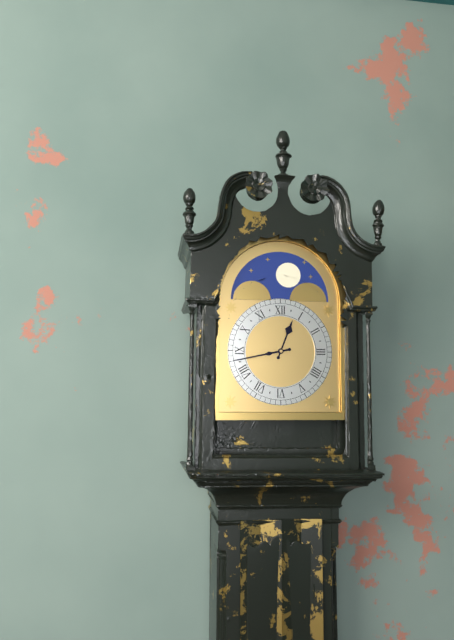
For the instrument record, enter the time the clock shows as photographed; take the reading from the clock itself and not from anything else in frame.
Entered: 12:43
